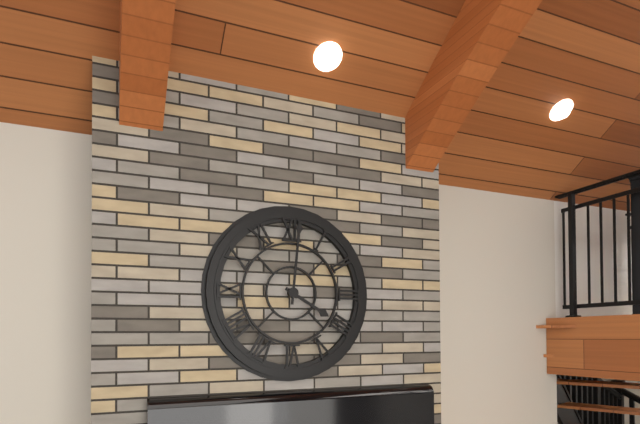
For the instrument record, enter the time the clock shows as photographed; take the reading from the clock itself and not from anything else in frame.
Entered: 4:01
